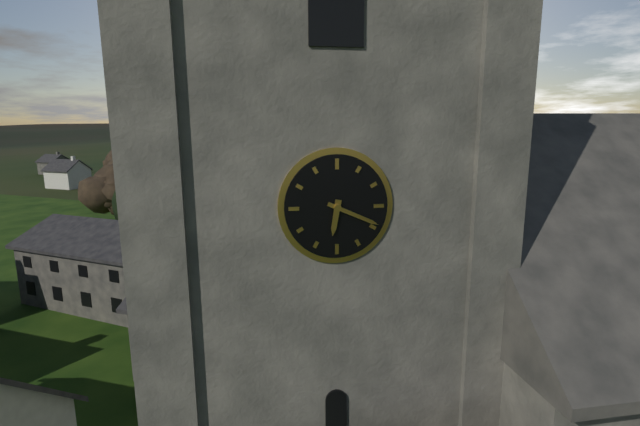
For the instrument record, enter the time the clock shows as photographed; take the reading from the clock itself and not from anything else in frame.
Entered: 6:19
